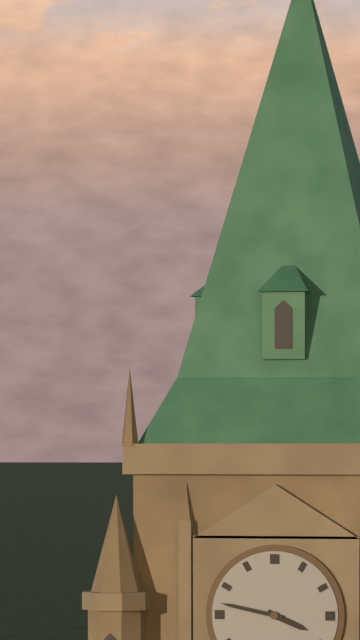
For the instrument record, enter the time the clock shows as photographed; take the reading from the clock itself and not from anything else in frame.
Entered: 3:47
